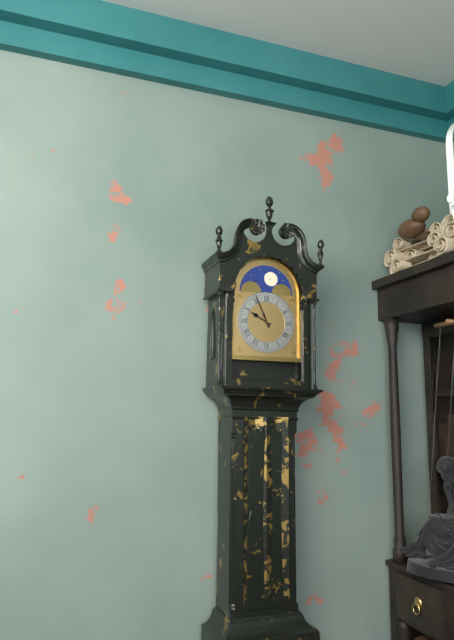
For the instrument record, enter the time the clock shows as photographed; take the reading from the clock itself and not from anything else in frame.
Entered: 9:56
